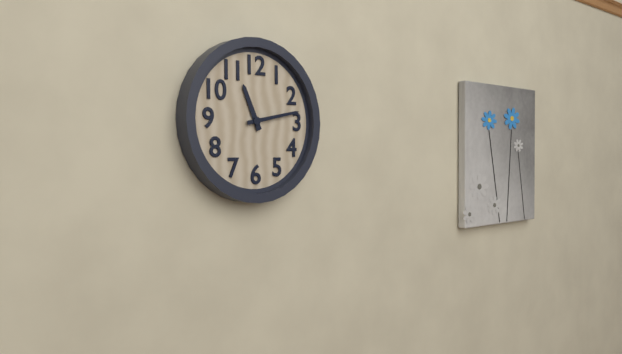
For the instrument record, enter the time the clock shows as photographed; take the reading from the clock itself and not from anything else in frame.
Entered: 11:13
